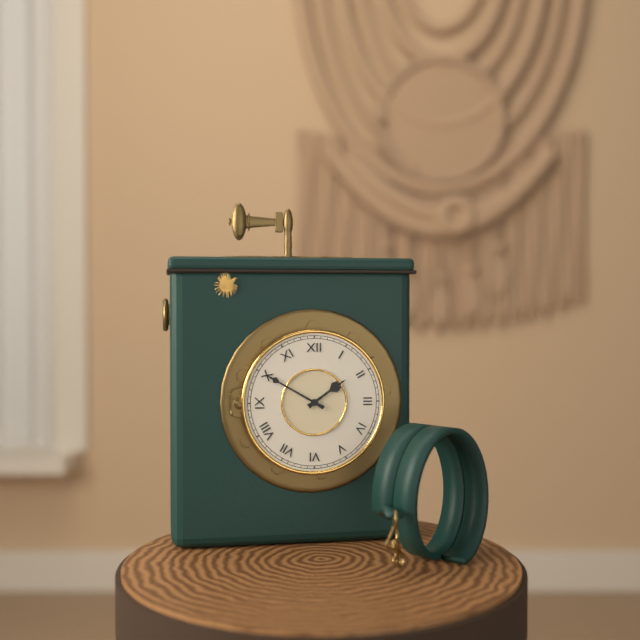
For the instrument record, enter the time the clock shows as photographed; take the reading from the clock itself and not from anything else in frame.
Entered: 1:50
